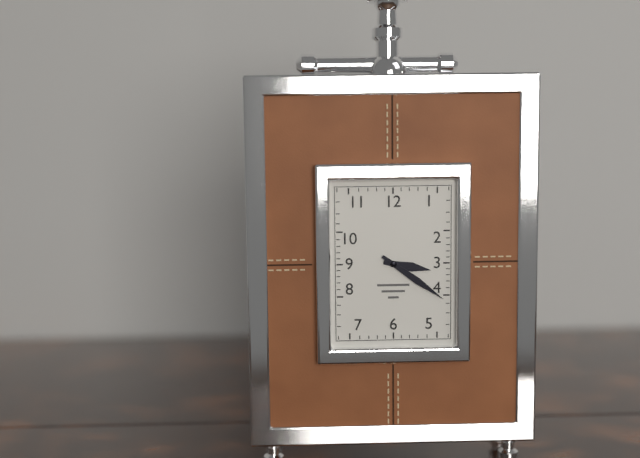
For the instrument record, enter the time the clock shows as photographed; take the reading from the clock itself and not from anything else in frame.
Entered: 3:21
